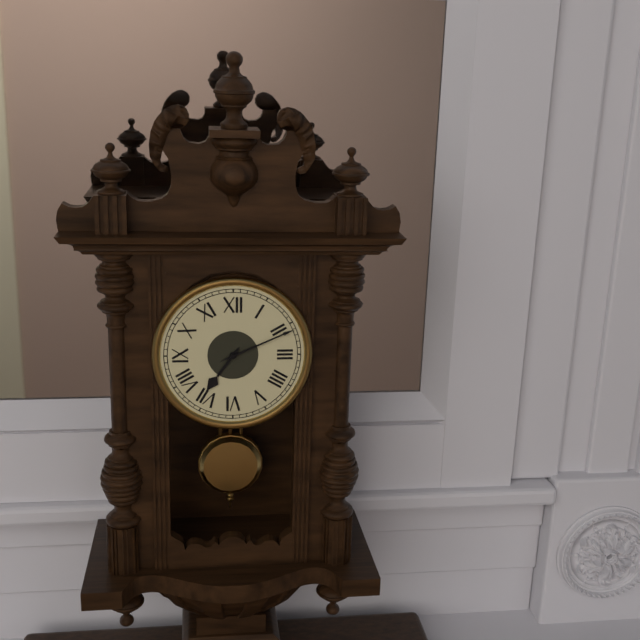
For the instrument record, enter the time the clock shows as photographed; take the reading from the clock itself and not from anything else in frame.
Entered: 7:11
